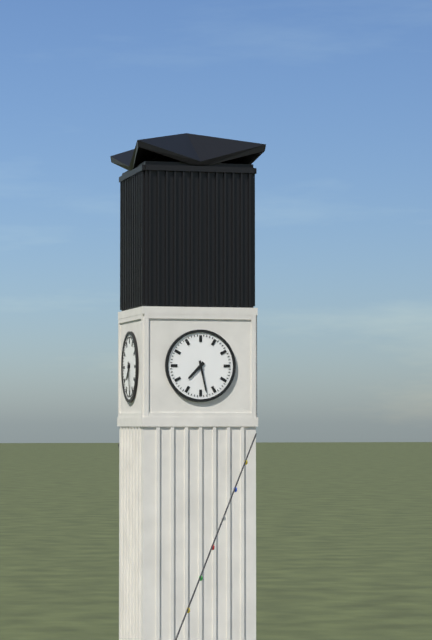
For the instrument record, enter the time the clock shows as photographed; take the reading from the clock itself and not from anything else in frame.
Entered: 7:28
